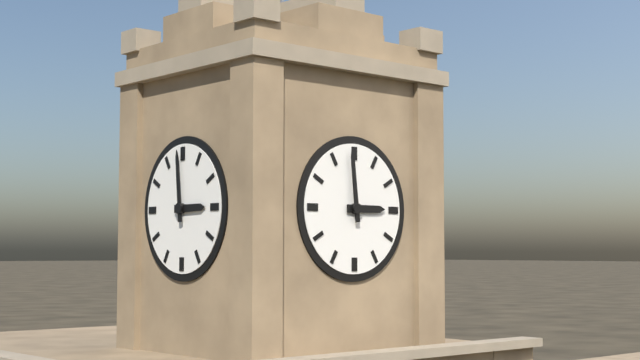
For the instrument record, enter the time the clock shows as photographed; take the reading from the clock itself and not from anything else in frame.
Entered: 2:59
